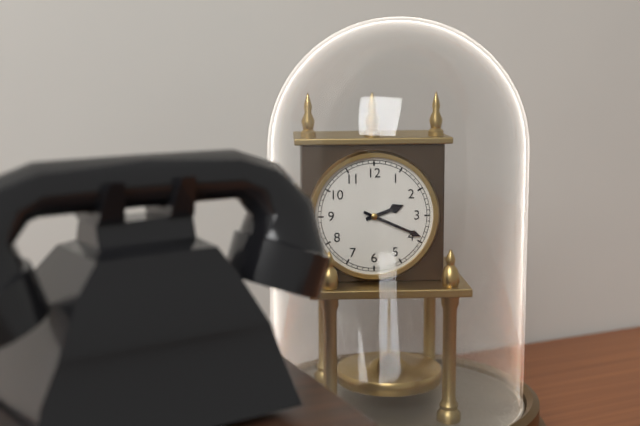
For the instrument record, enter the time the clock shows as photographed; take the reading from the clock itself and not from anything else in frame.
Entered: 2:19
